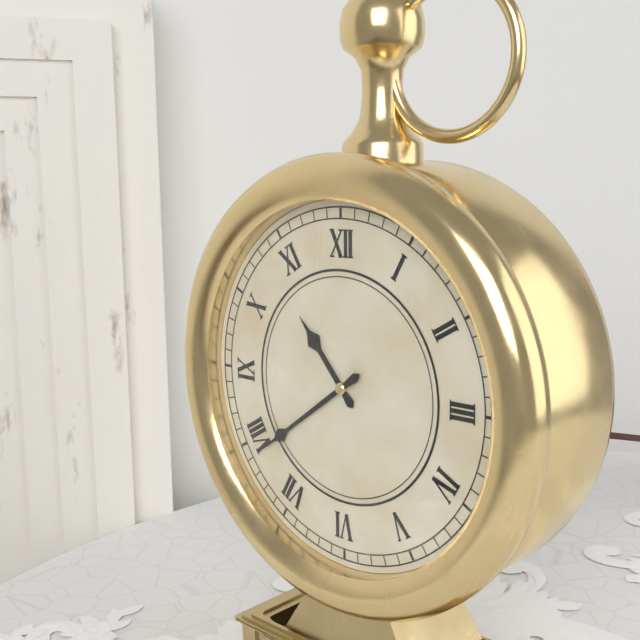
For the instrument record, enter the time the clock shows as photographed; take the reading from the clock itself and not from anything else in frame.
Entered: 10:39
